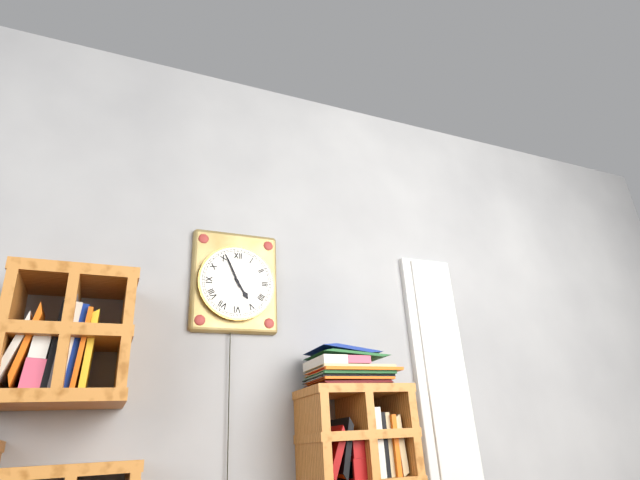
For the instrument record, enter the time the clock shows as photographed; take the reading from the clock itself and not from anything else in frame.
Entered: 4:56
